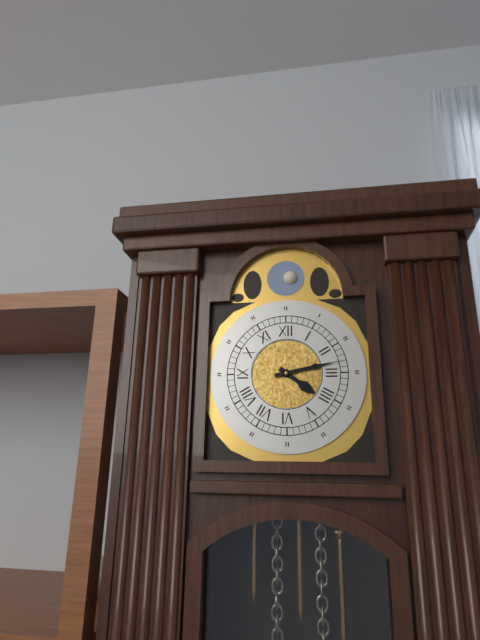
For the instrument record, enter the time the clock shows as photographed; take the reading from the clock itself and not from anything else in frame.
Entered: 4:13
